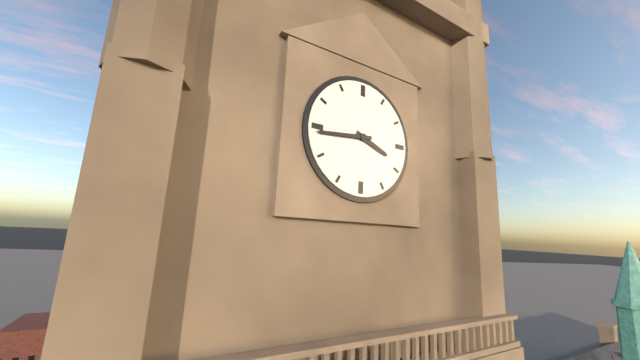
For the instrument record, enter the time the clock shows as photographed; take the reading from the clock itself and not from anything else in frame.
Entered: 3:44
